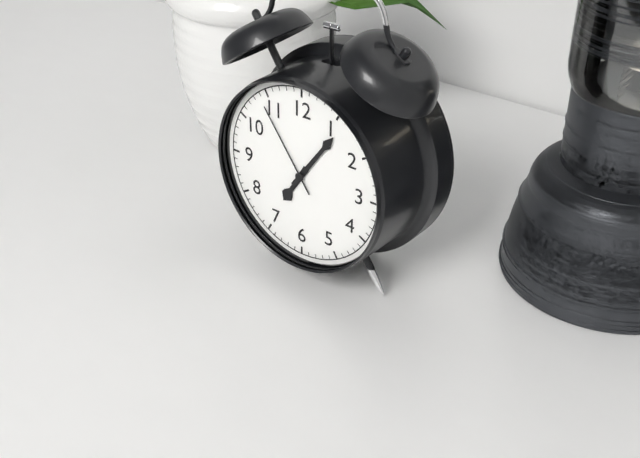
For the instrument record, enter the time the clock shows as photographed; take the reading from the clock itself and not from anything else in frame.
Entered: 7:06:54
